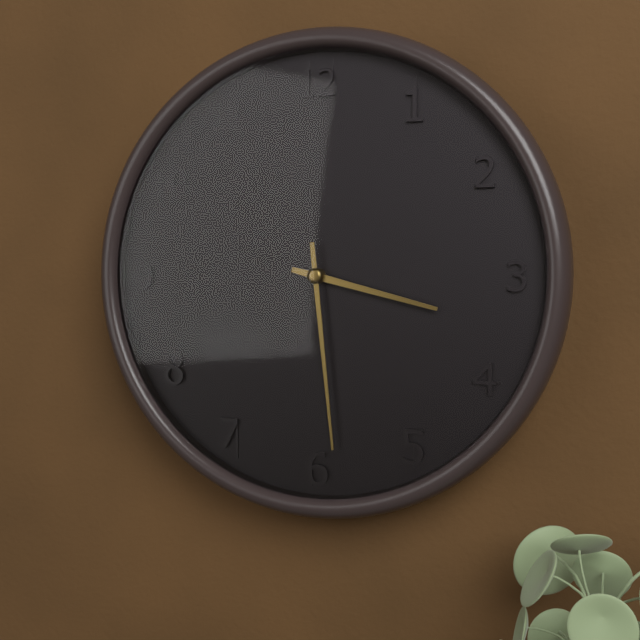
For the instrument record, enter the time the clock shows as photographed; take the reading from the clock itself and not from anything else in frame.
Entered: 3:29
